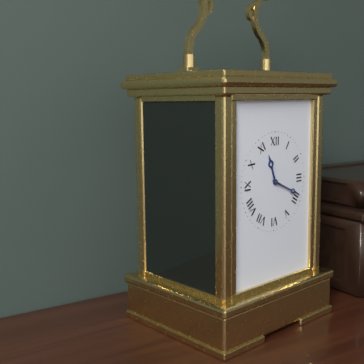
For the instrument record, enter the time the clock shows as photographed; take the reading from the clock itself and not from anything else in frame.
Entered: 11:19
